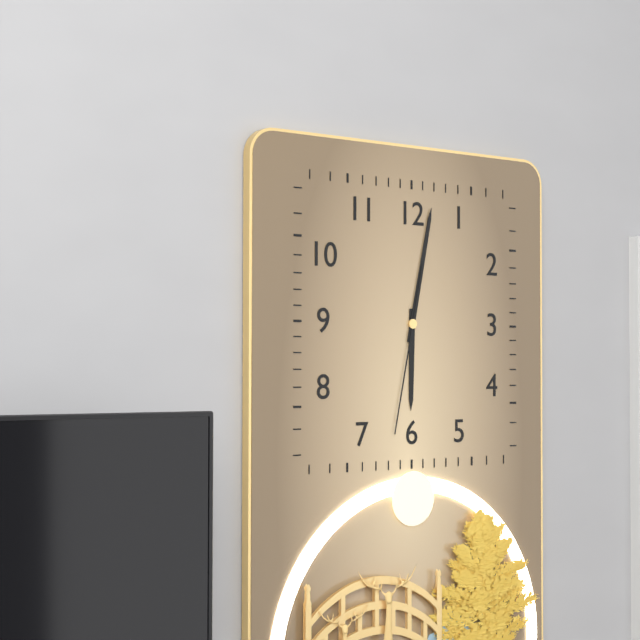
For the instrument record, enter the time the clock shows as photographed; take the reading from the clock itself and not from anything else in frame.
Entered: 6:02:32
